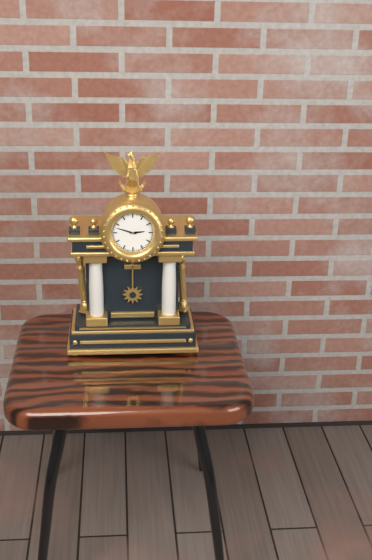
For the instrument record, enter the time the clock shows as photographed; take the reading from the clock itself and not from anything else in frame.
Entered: 2:48
